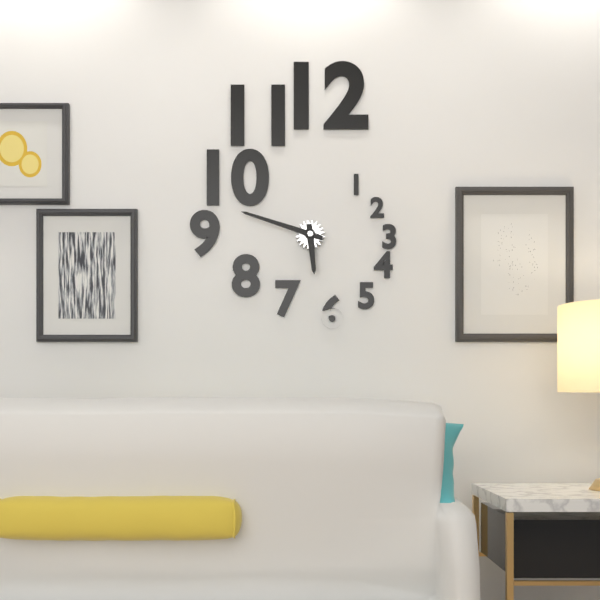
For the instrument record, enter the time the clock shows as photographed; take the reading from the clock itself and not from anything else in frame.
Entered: 5:48
